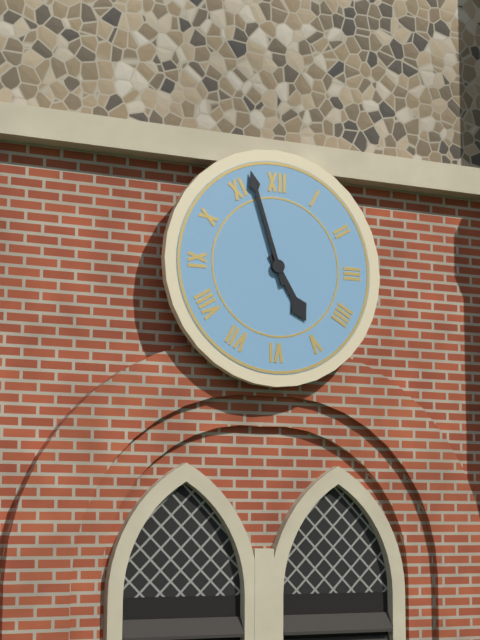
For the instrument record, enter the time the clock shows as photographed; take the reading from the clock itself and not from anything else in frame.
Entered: 4:57
